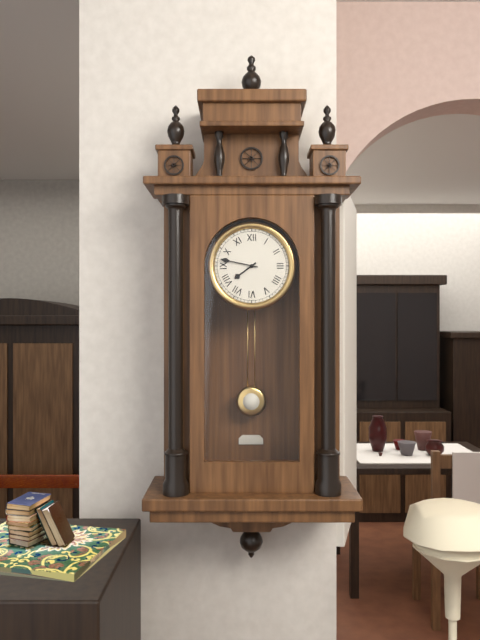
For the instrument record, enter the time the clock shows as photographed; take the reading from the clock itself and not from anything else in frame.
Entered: 7:47
